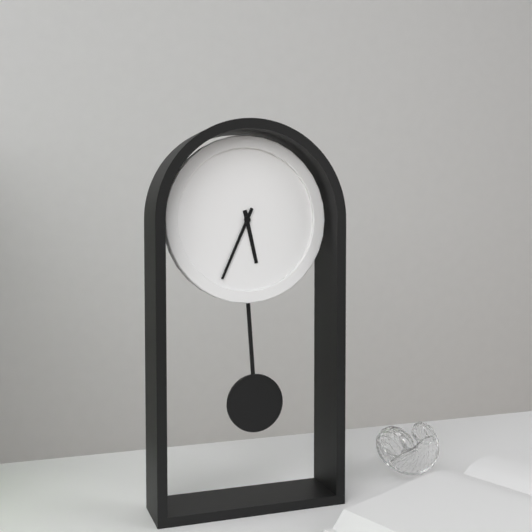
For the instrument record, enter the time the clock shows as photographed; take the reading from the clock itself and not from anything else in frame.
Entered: 5:34
